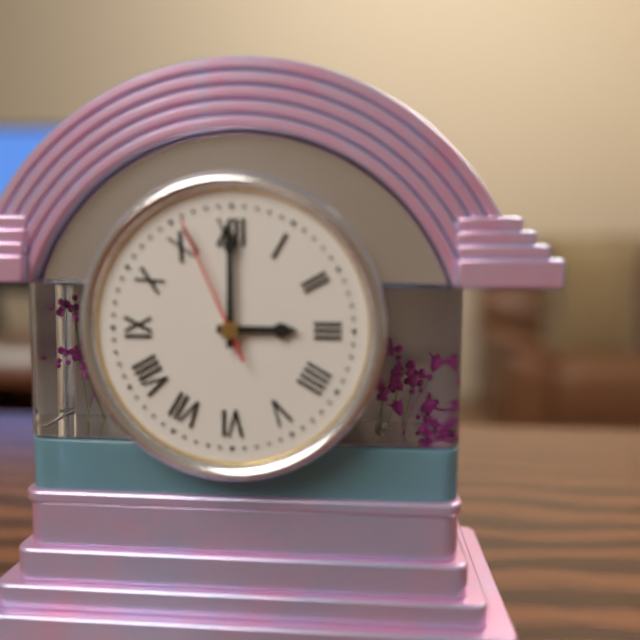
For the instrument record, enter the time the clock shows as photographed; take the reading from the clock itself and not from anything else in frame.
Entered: 3:00:56
